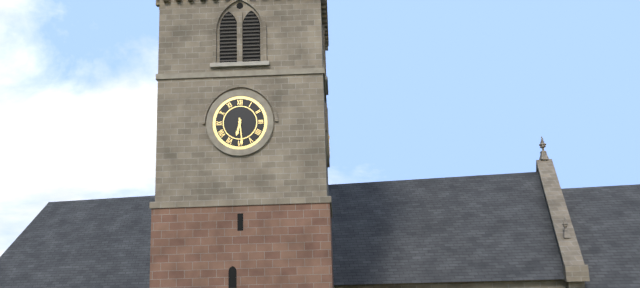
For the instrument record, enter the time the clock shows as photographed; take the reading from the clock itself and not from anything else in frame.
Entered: 6:29
